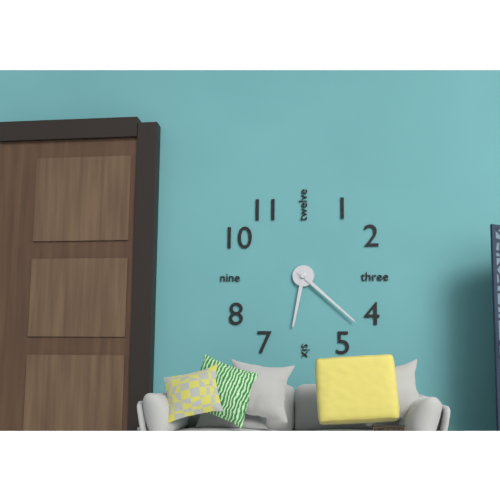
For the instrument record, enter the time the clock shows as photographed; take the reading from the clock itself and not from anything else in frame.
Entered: 6:22
